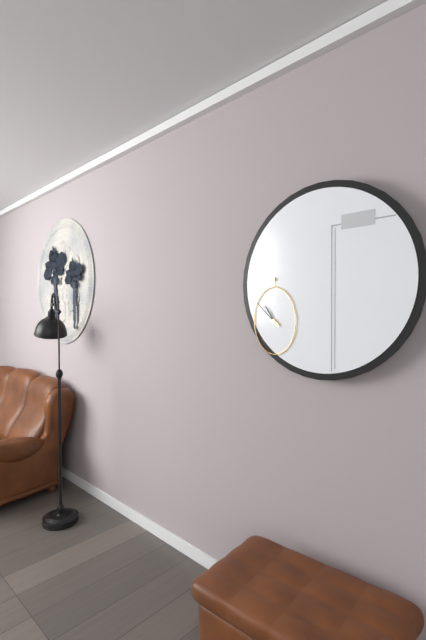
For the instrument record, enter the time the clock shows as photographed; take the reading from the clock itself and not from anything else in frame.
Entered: 10:52
